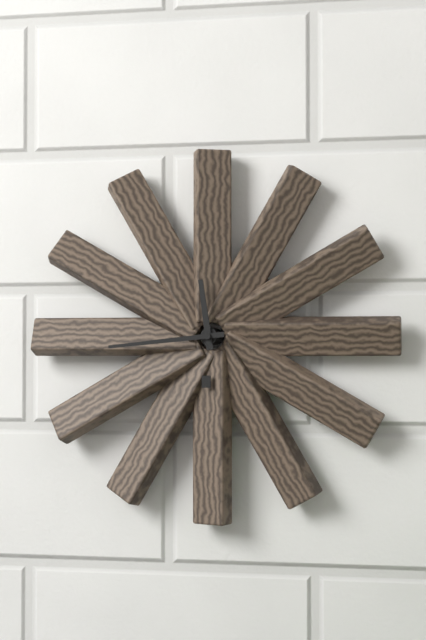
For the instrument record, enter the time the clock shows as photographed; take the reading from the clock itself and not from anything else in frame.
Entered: 11:44
